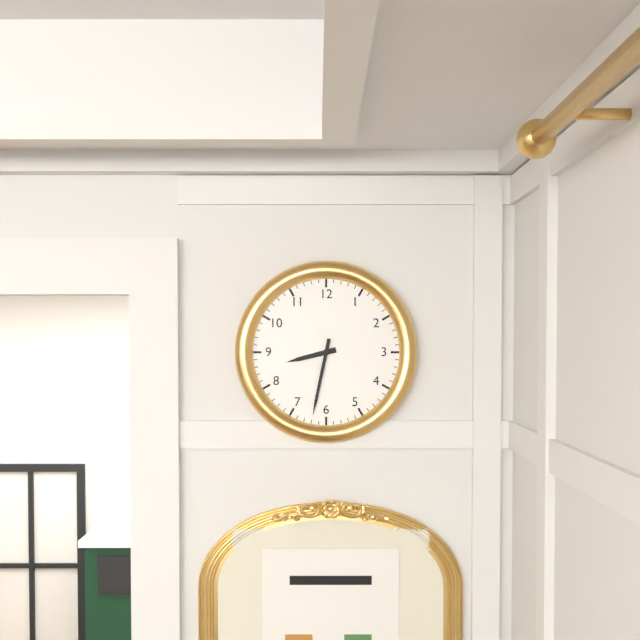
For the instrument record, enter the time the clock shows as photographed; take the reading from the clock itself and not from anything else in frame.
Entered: 8:32
